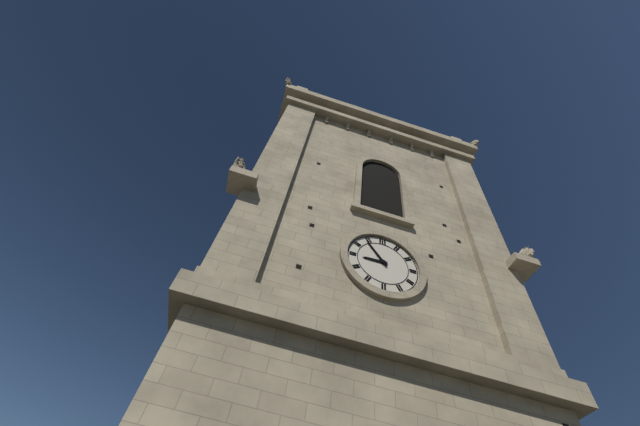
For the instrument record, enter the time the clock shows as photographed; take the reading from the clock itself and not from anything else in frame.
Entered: 8:54
